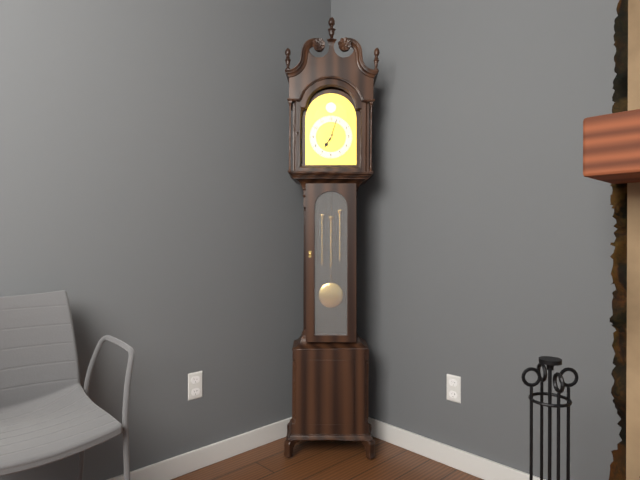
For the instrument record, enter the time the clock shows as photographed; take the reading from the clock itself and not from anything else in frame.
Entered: 7:03
